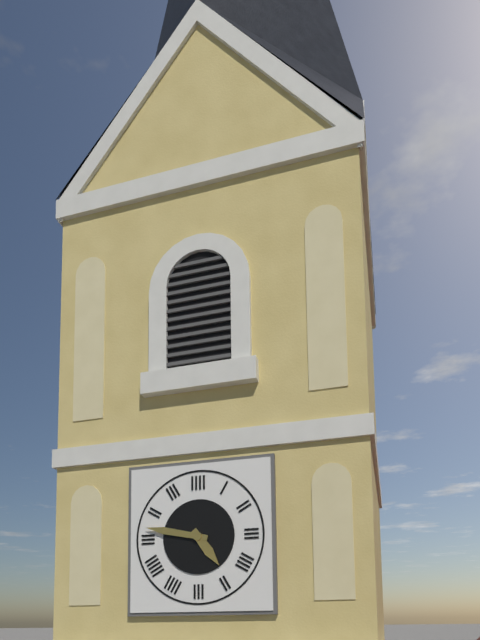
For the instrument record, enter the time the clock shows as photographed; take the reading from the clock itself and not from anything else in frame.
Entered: 4:47
